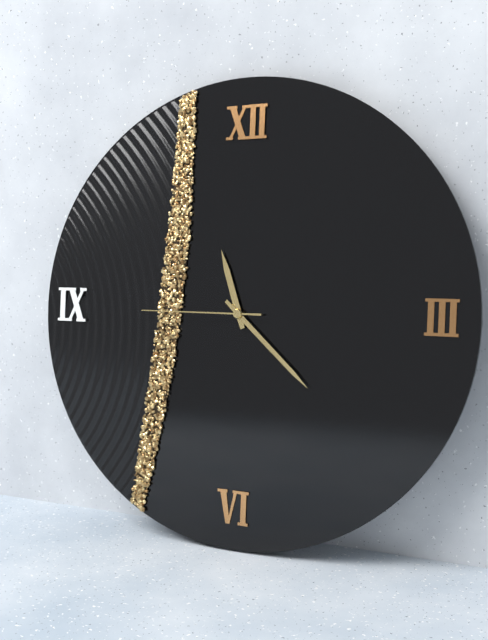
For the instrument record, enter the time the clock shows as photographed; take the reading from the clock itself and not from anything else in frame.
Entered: 11:22:45
